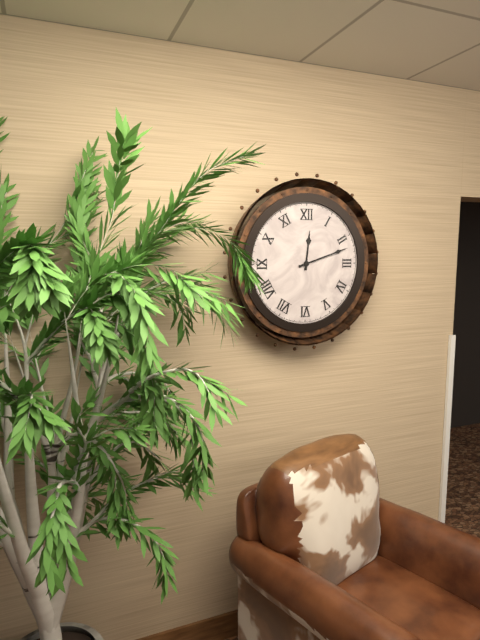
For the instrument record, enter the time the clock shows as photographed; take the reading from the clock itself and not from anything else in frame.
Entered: 12:12
